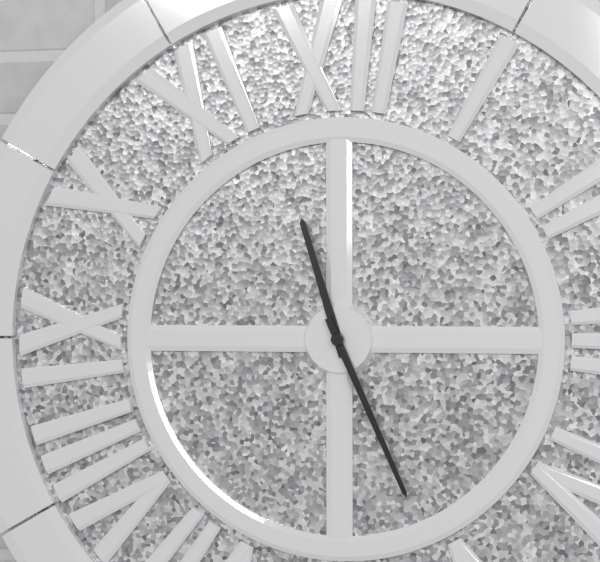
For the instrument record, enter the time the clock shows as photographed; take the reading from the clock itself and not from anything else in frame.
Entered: 11:26
